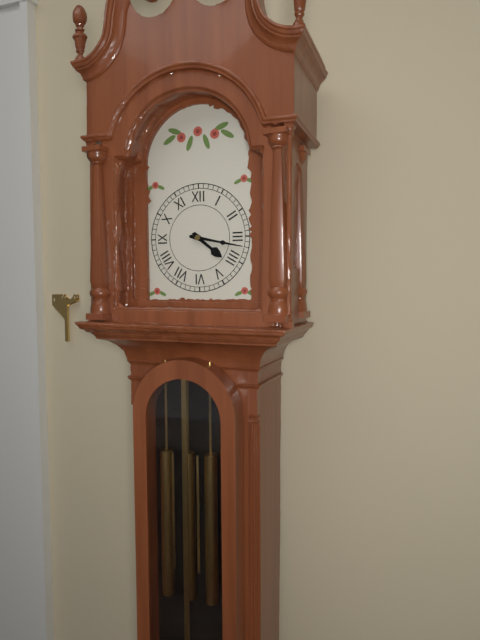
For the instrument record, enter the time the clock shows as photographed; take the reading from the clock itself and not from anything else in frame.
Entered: 4:17
